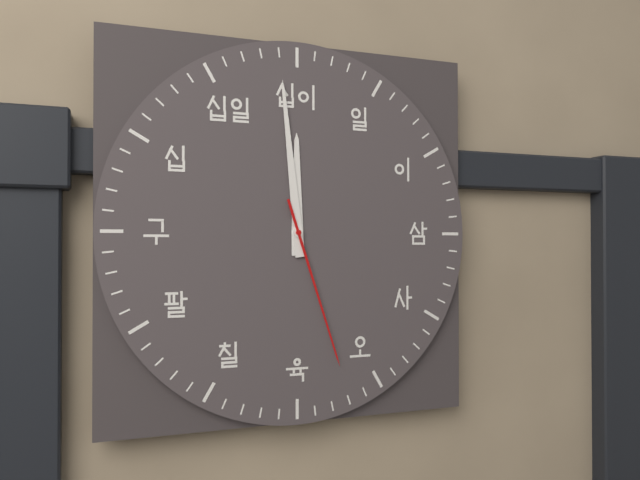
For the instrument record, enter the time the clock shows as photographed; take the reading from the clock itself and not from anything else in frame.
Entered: 11:59:27
